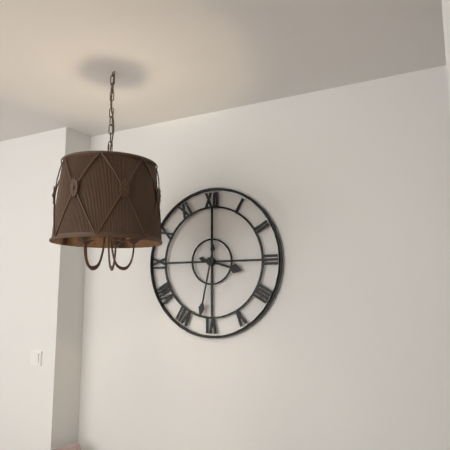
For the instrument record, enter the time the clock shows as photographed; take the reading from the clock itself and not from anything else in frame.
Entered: 3:32
